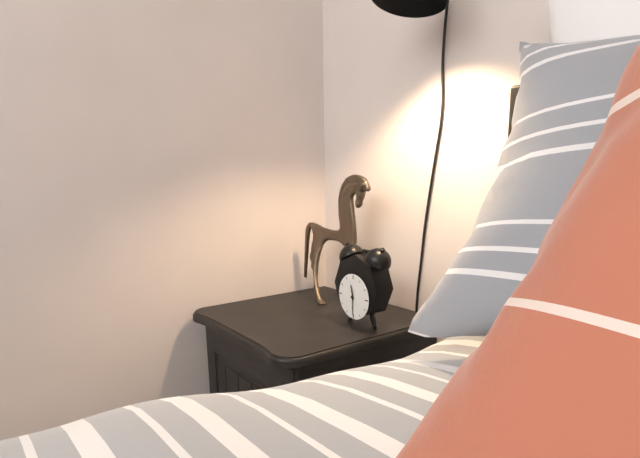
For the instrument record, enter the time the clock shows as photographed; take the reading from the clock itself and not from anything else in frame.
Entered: 11:30
